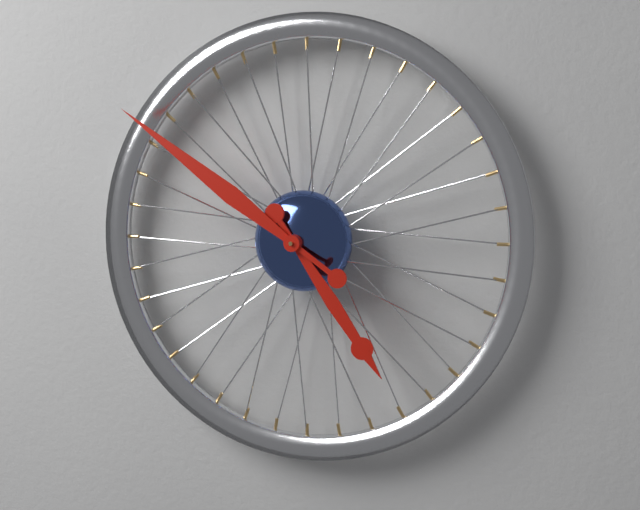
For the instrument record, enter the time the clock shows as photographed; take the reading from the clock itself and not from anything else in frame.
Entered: 4:51
